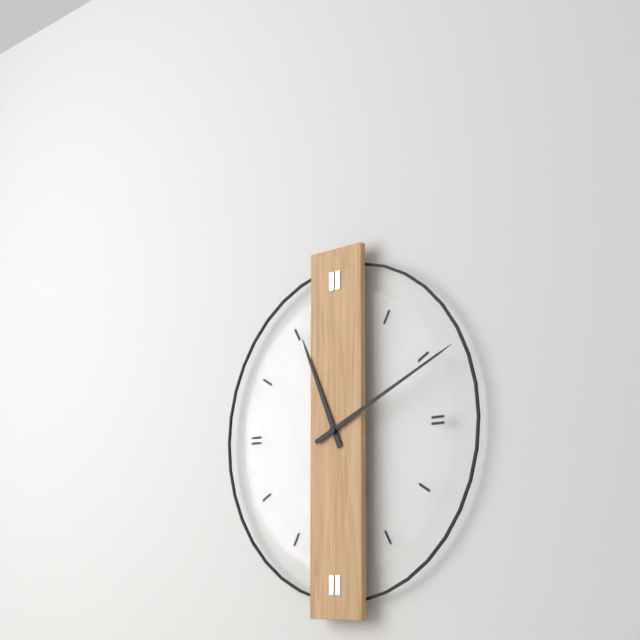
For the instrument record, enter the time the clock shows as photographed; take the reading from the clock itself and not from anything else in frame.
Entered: 11:11
